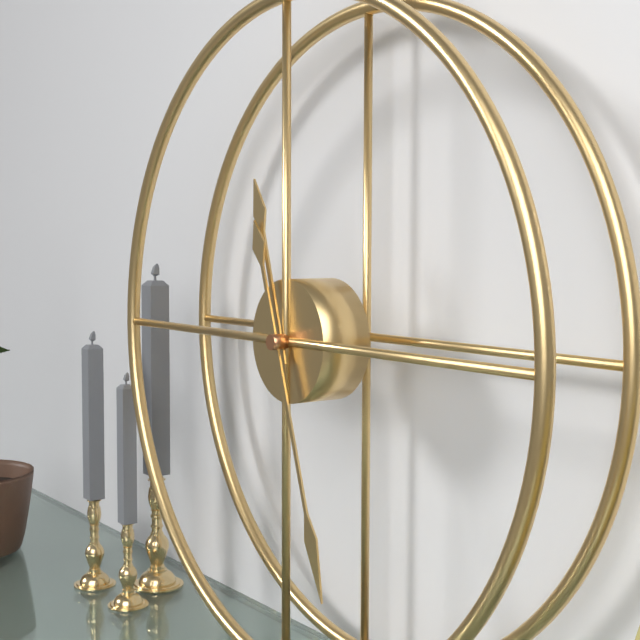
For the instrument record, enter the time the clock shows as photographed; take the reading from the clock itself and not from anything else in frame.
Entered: 11:27
